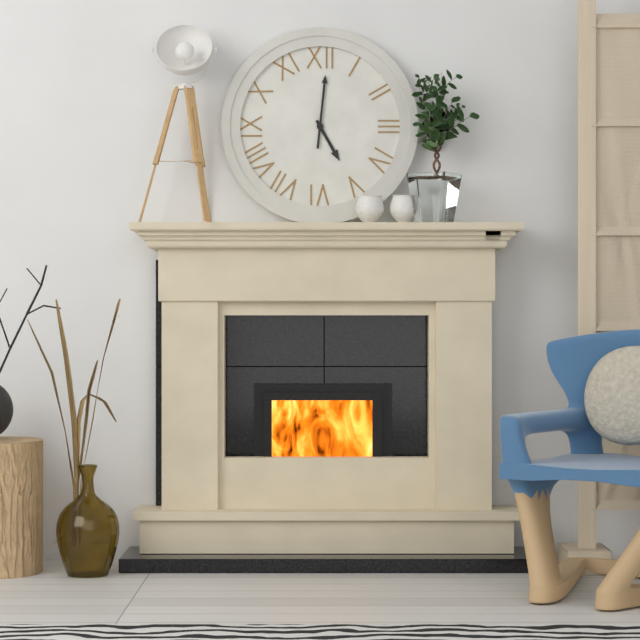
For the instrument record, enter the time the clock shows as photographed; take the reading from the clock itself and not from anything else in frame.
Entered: 5:01
